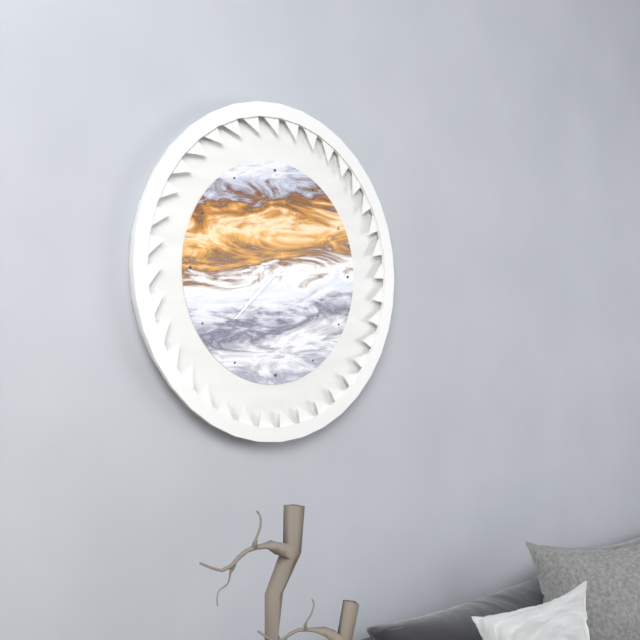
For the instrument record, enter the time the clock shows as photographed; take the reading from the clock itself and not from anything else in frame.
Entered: 7:38
